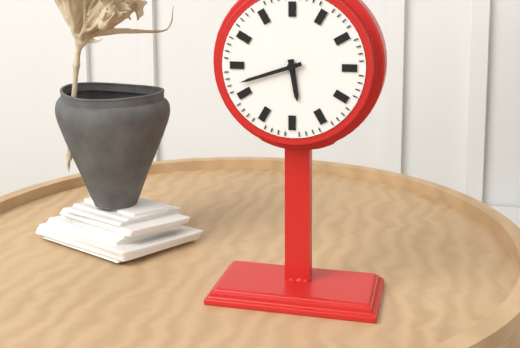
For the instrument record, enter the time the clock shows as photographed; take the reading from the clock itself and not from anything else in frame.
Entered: 5:42
